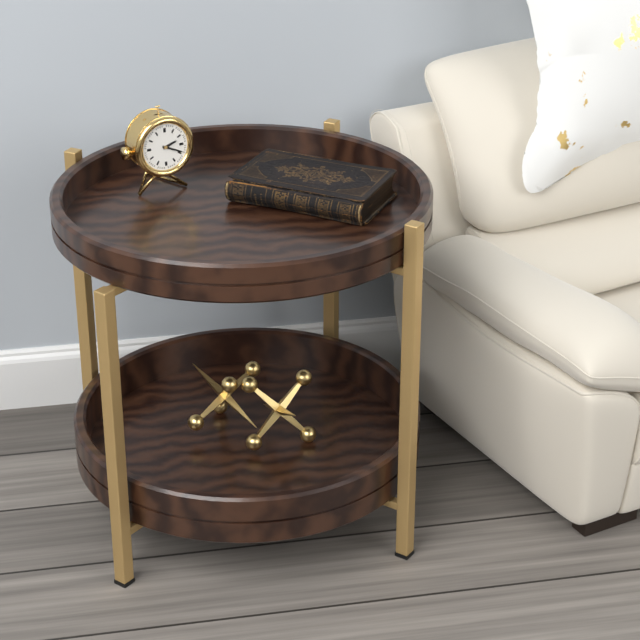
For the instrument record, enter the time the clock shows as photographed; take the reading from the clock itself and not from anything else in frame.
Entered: 2:19
